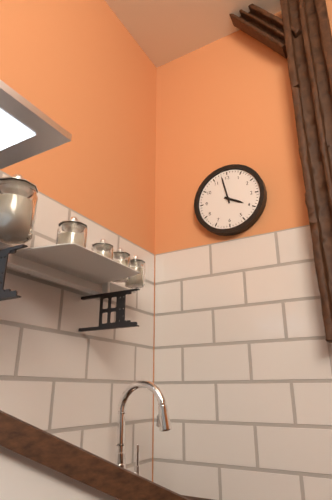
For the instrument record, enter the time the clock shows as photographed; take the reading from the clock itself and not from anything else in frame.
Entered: 3:58
